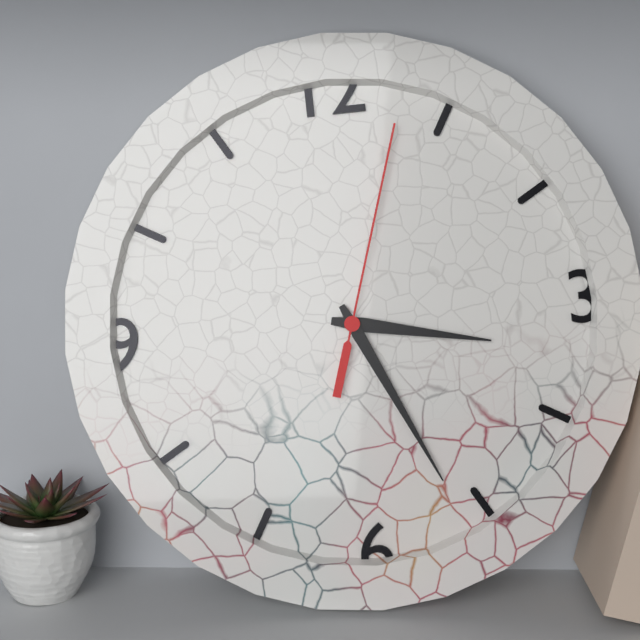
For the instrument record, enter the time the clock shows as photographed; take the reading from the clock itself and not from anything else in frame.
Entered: 3:26:03
